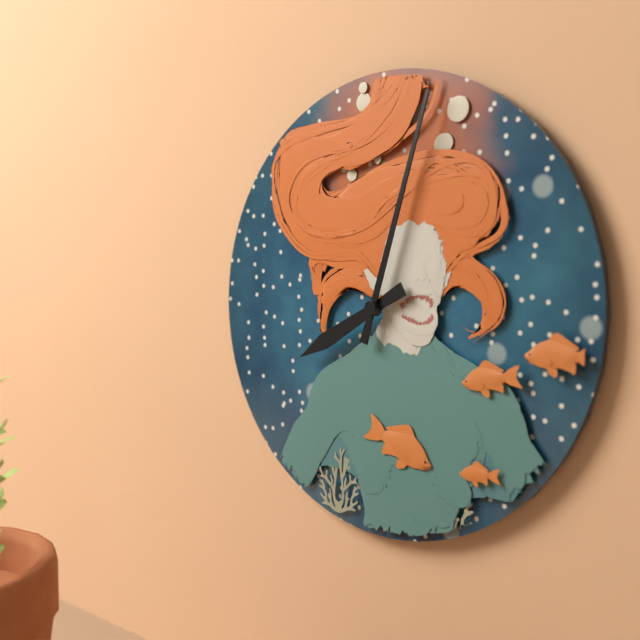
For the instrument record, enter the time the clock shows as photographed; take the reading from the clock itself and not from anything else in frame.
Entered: 8:03
